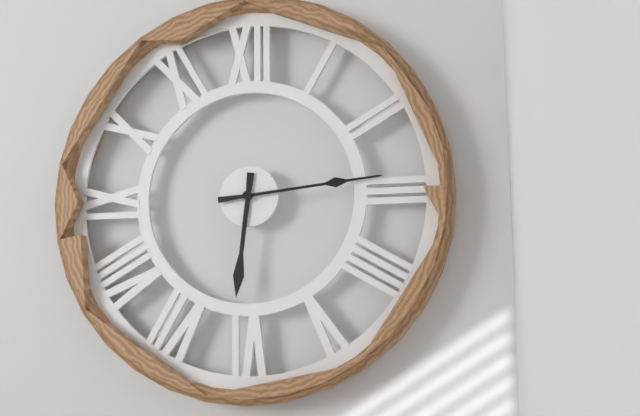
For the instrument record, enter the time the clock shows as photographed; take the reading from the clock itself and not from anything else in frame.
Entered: 6:14
